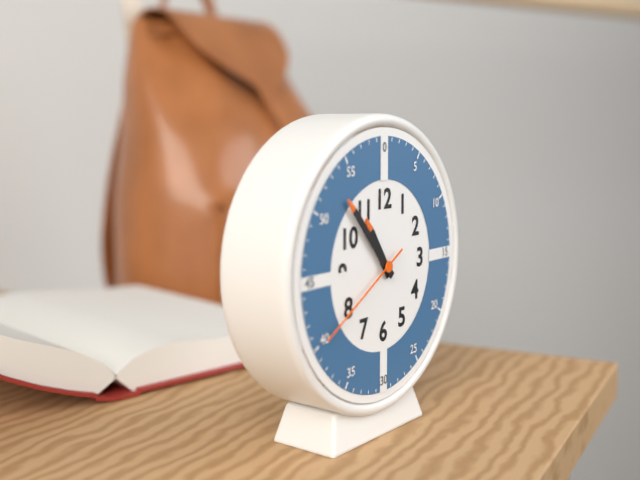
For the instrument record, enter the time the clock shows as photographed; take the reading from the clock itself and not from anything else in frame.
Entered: 10:53:40
